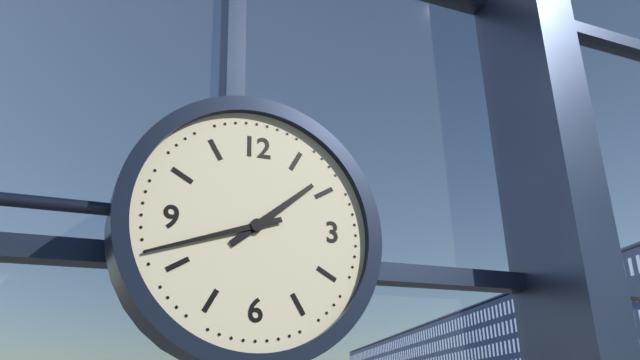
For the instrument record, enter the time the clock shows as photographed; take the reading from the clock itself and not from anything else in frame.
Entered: 1:42
